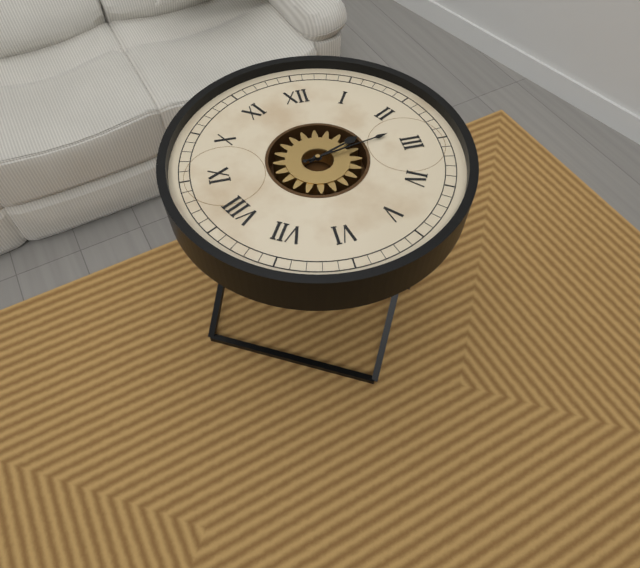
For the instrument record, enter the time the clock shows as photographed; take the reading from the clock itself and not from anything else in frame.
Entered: 2:13
